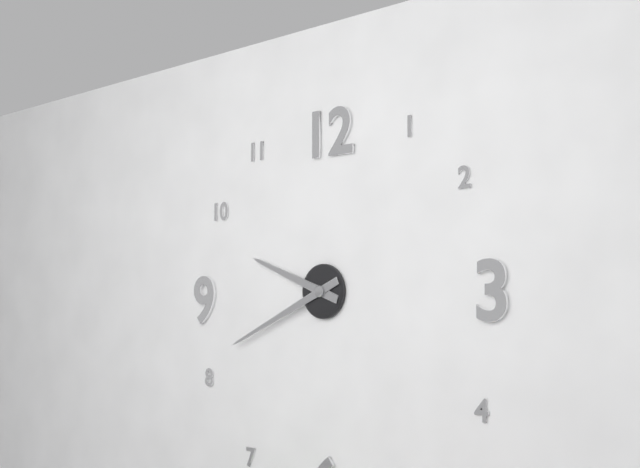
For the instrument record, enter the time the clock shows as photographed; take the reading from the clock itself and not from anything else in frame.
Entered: 9:41
